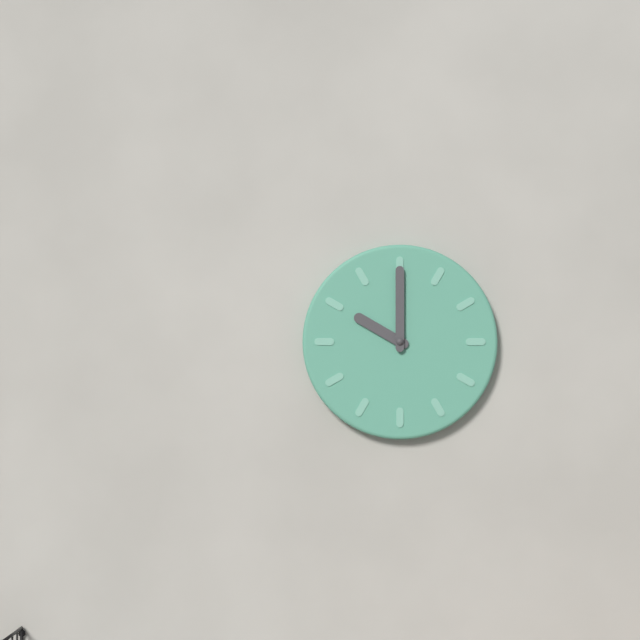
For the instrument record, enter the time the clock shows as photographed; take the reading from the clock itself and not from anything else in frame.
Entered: 10:00
